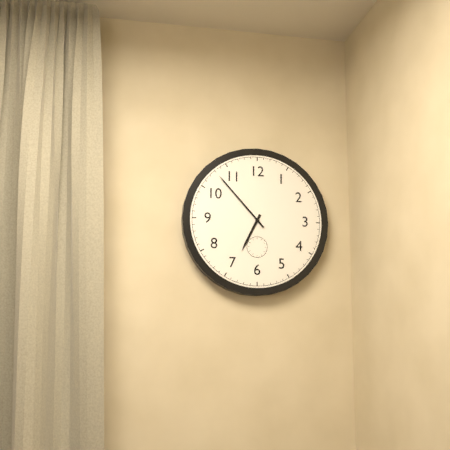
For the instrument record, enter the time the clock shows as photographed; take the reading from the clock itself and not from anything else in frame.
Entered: 6:53
